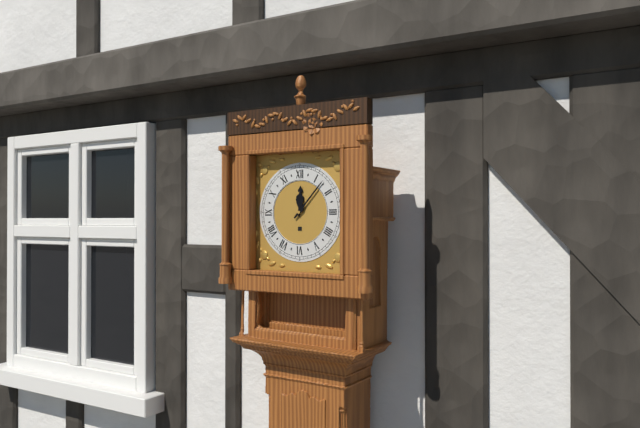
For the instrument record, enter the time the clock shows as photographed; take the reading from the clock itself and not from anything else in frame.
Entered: 12:07
